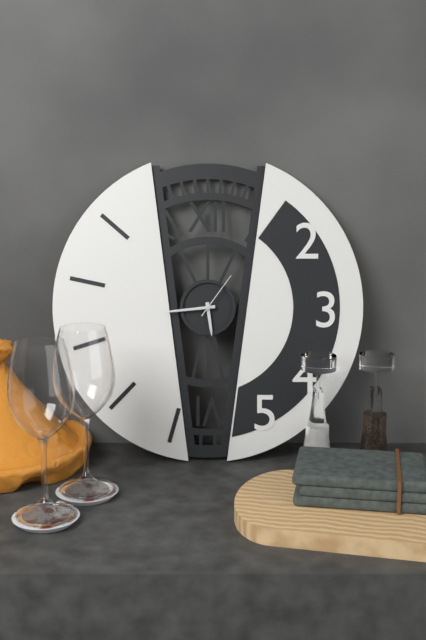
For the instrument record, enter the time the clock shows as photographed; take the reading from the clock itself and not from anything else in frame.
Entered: 5:44
